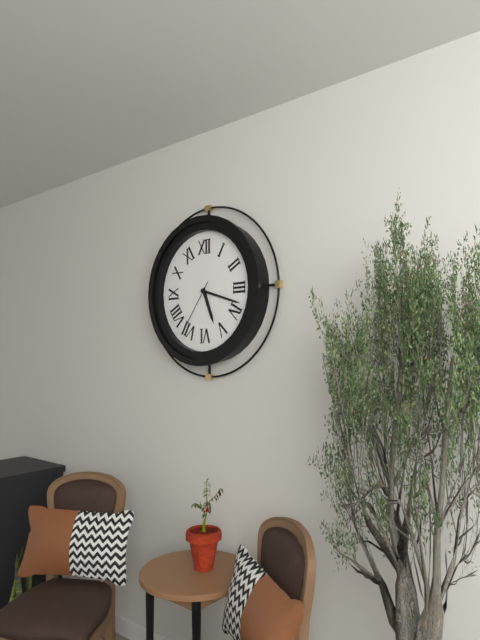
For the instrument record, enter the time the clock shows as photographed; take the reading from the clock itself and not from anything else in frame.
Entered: 5:18:36
